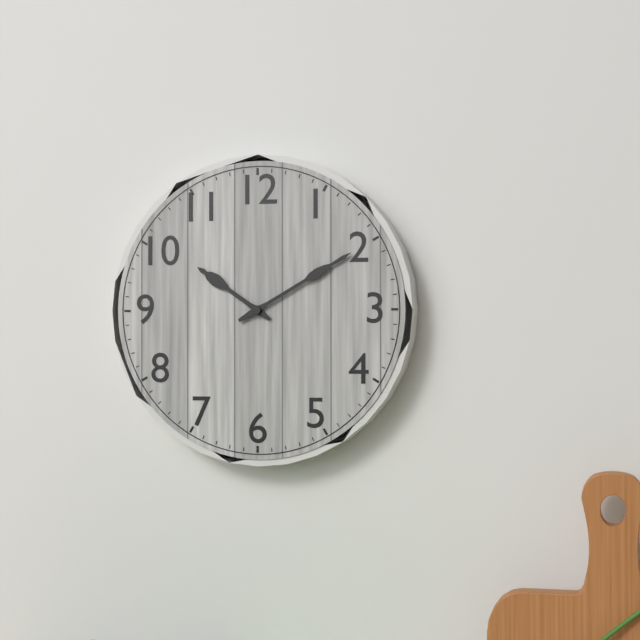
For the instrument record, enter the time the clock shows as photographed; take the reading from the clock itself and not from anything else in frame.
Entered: 10:10
